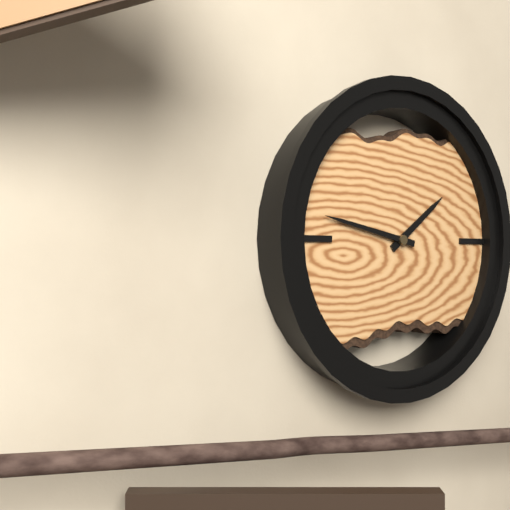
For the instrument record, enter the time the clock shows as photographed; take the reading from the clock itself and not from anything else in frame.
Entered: 1:47
